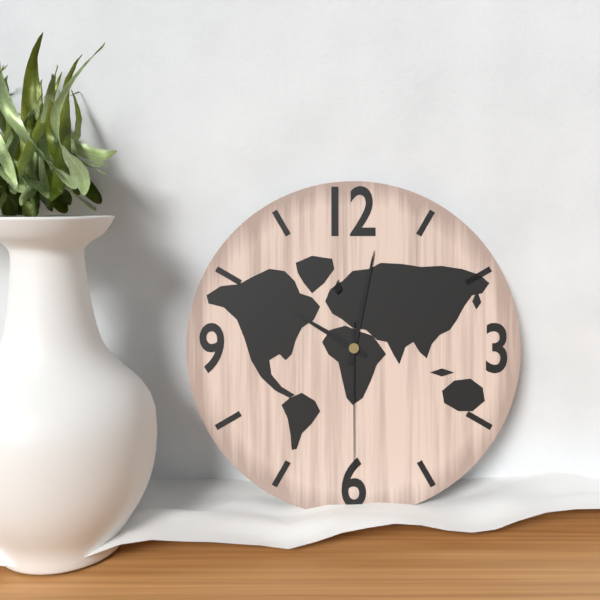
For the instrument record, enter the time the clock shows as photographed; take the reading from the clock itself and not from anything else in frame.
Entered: 10:02:30
